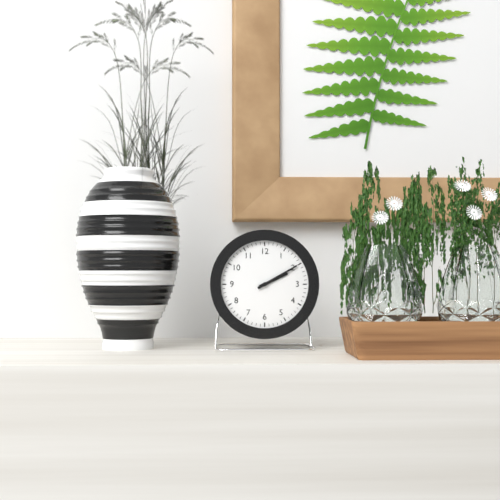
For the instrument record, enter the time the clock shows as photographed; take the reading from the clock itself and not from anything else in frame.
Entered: 2:10
